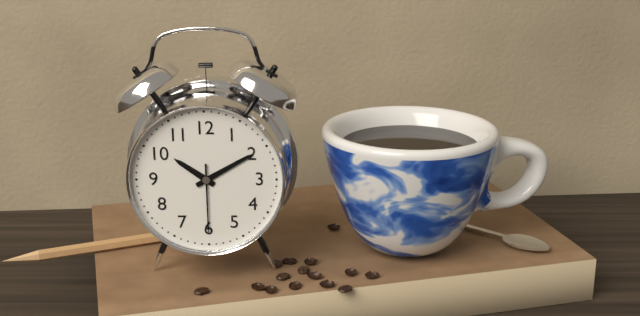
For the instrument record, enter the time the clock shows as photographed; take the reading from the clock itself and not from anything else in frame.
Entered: 10:10:30
